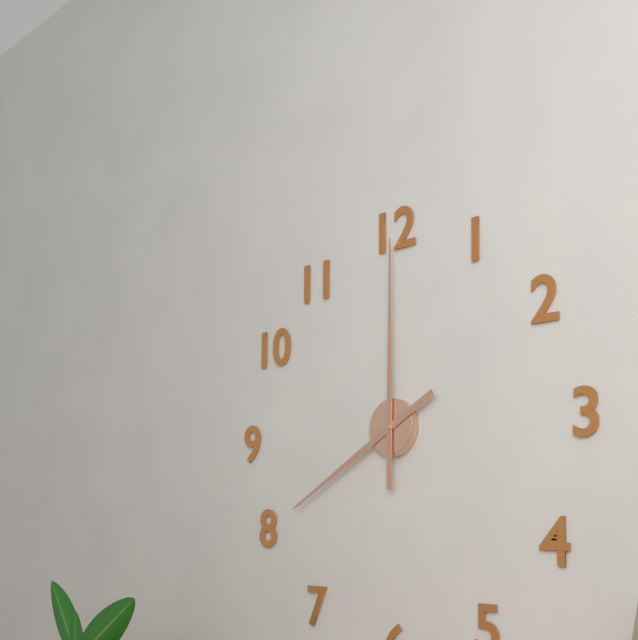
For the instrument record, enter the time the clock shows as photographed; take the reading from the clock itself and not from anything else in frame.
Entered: 8:00
